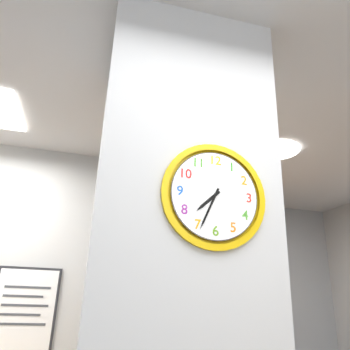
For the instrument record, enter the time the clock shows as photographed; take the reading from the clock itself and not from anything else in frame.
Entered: 7:34
